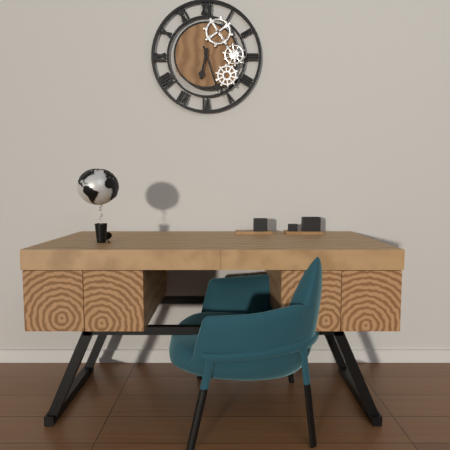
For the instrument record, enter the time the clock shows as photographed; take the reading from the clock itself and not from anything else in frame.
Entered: 6:27
